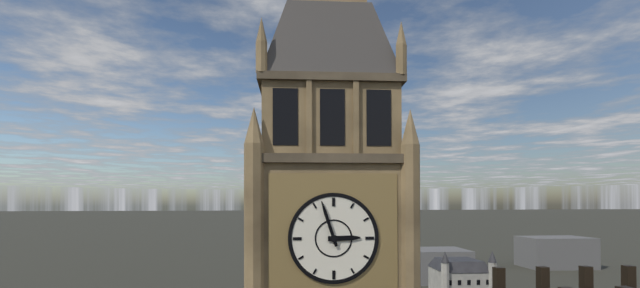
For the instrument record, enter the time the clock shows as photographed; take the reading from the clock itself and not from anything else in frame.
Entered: 2:57
